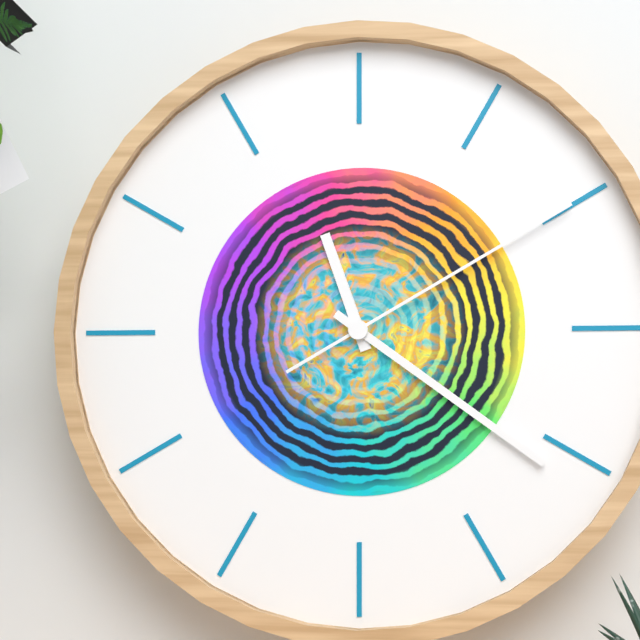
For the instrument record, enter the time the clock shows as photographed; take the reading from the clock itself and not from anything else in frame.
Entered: 11:21:10
